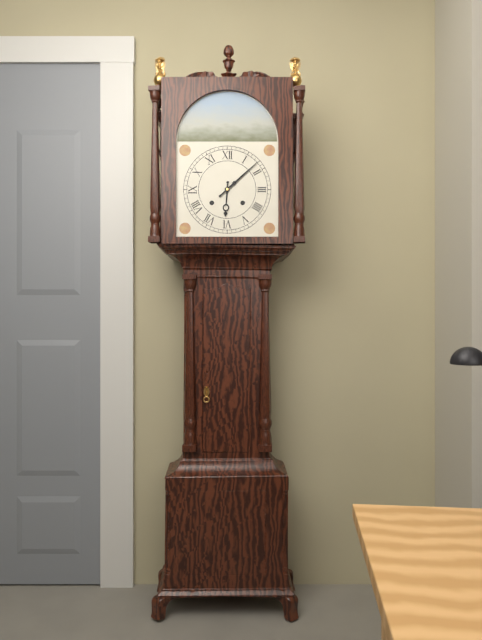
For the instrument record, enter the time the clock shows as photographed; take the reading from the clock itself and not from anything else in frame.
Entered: 6:08
